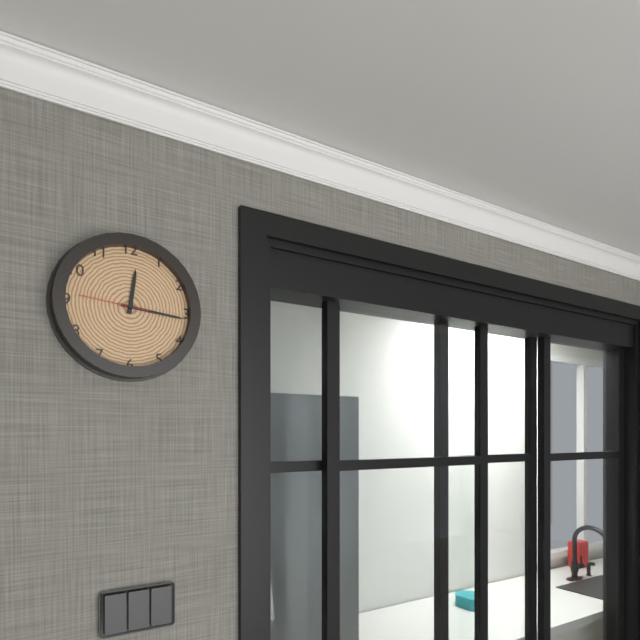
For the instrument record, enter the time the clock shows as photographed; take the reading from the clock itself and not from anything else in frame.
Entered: 12:16:46
